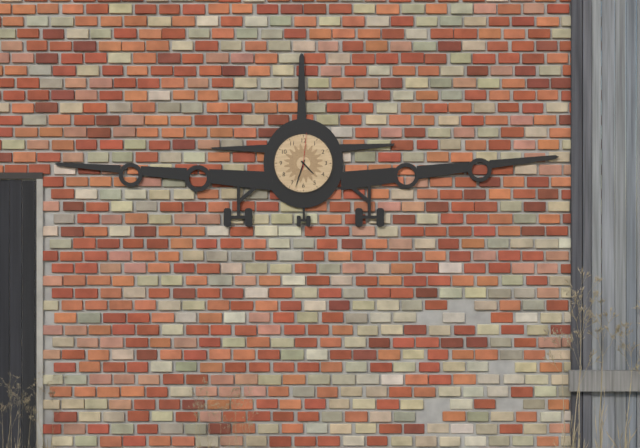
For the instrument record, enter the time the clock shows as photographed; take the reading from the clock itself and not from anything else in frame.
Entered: 4:33
